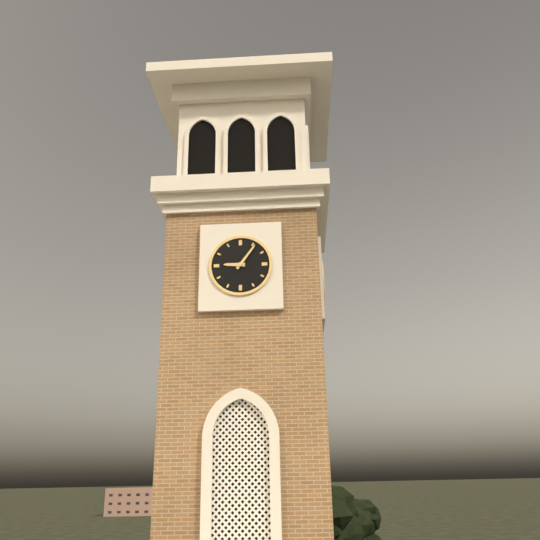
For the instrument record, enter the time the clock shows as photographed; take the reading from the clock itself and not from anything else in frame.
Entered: 9:06
